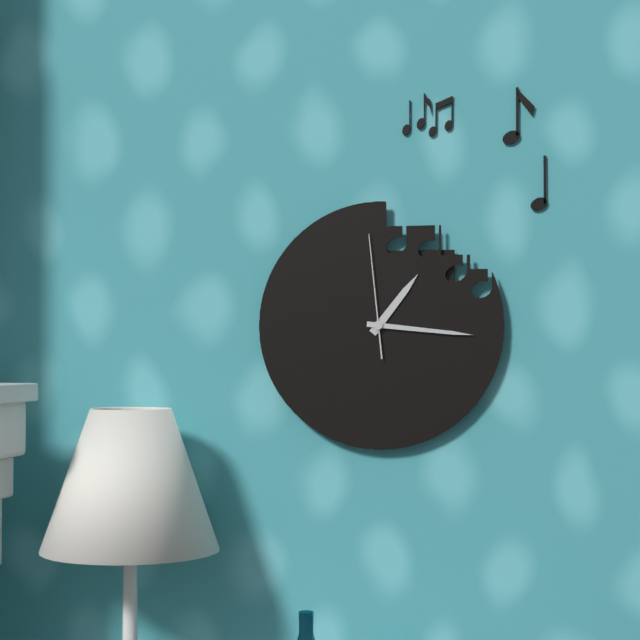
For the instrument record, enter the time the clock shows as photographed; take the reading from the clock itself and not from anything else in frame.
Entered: 1:16:59
